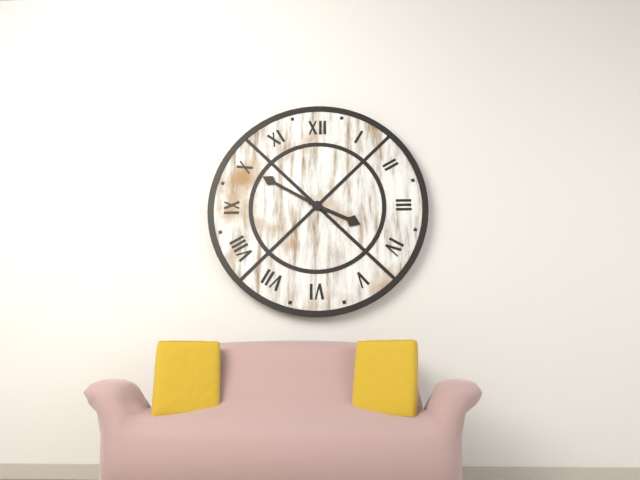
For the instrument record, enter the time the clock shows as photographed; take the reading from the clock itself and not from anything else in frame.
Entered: 3:50
